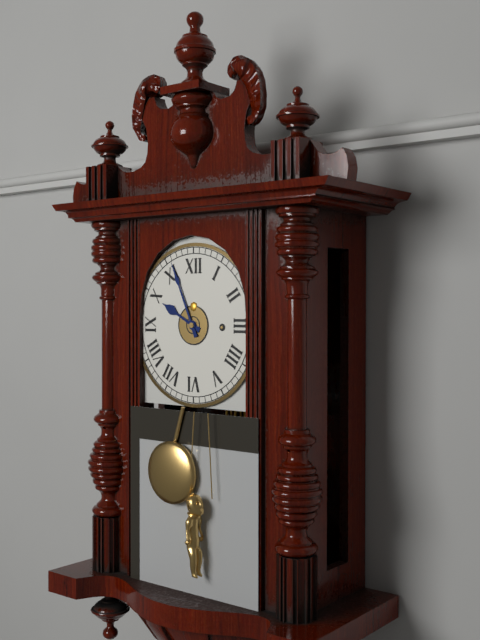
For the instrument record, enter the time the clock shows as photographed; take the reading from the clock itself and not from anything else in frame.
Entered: 9:56
